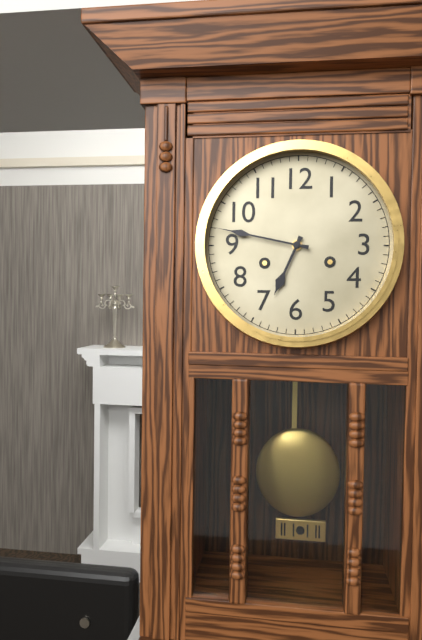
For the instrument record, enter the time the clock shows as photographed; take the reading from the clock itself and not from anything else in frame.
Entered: 6:47
